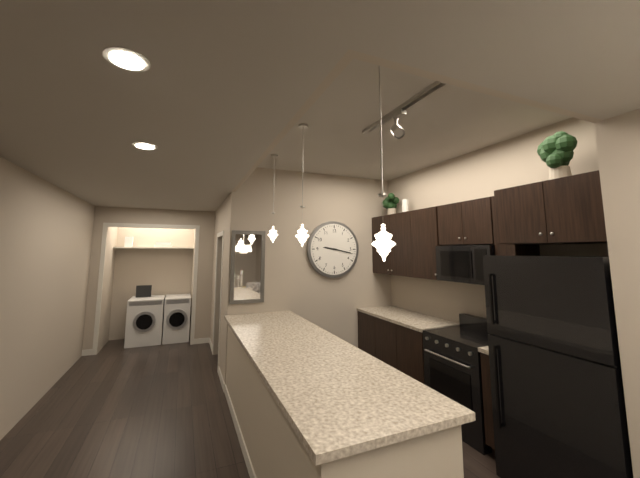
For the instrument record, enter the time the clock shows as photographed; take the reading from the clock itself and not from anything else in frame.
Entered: 9:17
